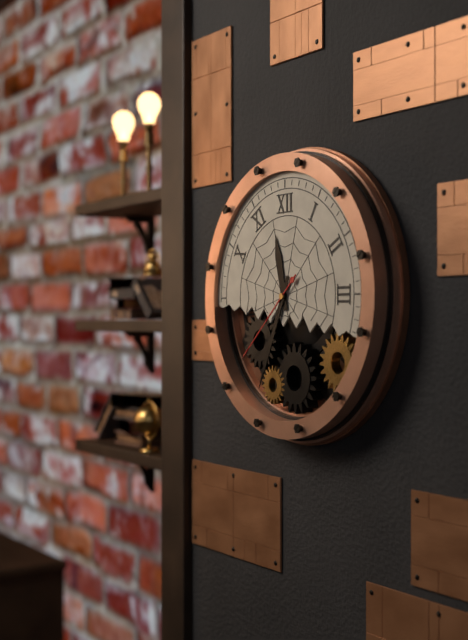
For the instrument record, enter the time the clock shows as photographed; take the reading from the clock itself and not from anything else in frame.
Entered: 11:34:38
